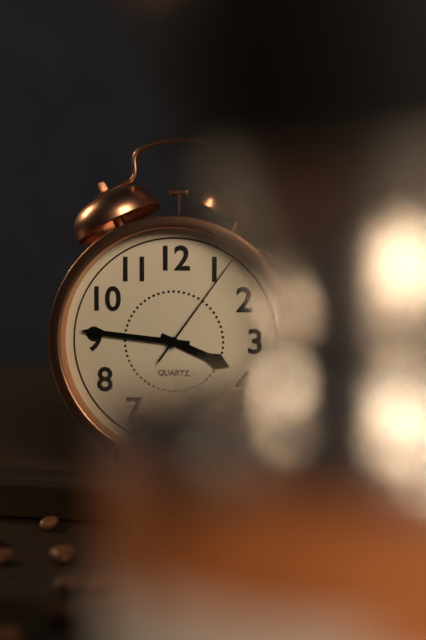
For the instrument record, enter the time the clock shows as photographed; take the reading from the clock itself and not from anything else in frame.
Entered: 3:46:06
